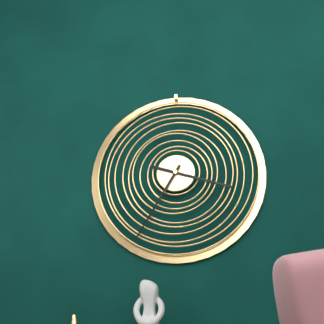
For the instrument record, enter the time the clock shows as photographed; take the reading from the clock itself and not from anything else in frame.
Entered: 3:35
